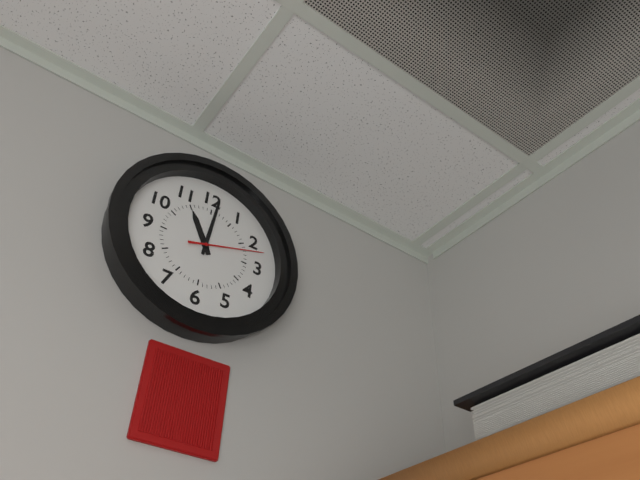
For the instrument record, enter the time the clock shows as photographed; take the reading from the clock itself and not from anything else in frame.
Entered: 11:01:12
